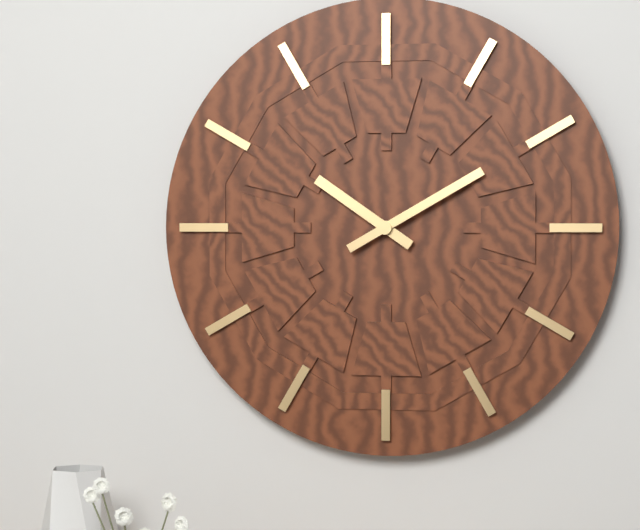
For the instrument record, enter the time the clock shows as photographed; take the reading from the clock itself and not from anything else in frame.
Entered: 10:10
